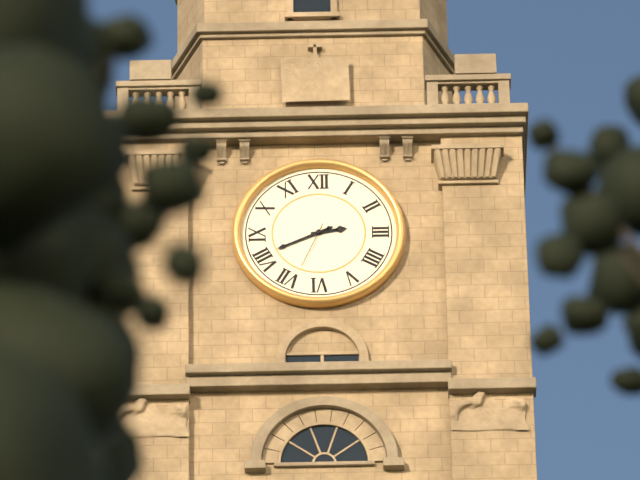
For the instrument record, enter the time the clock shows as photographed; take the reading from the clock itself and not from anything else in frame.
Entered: 2:41
